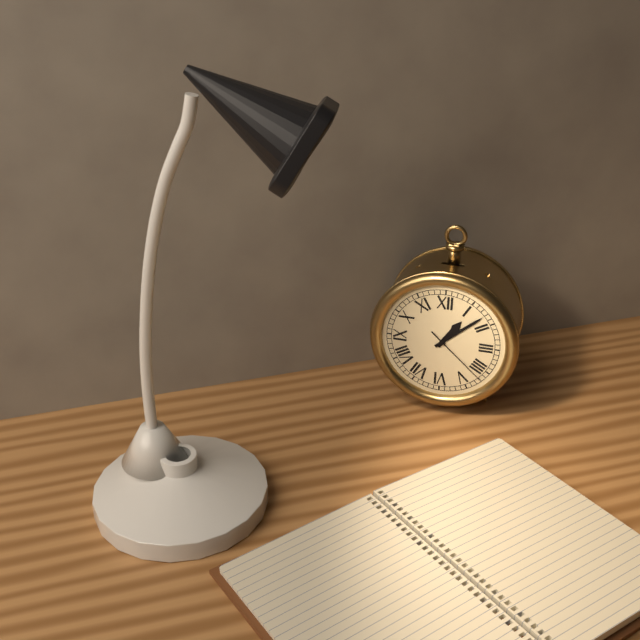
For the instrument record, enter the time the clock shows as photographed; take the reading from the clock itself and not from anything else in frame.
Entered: 1:08:22
